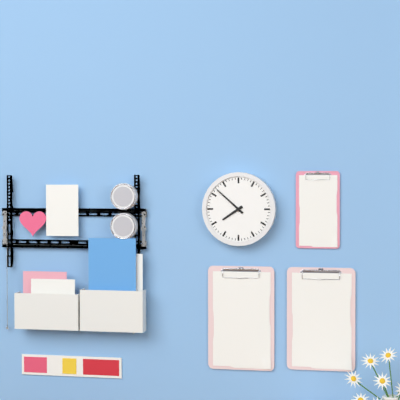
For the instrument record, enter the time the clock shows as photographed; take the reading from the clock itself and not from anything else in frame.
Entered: 7:52
